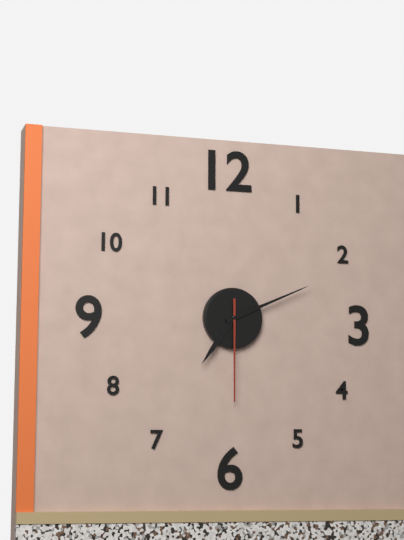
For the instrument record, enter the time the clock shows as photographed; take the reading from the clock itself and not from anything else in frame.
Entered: 7:11:30
